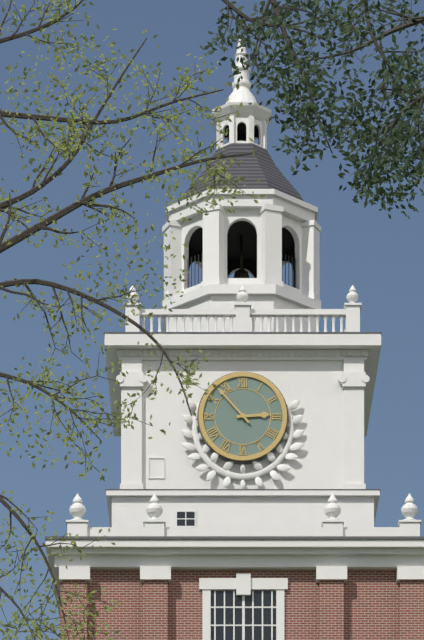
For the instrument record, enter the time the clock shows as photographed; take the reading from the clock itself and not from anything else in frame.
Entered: 2:53
